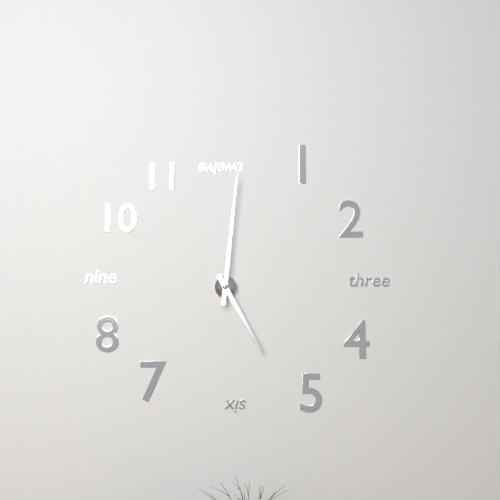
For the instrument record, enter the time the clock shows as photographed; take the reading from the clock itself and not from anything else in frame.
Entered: 5:01
